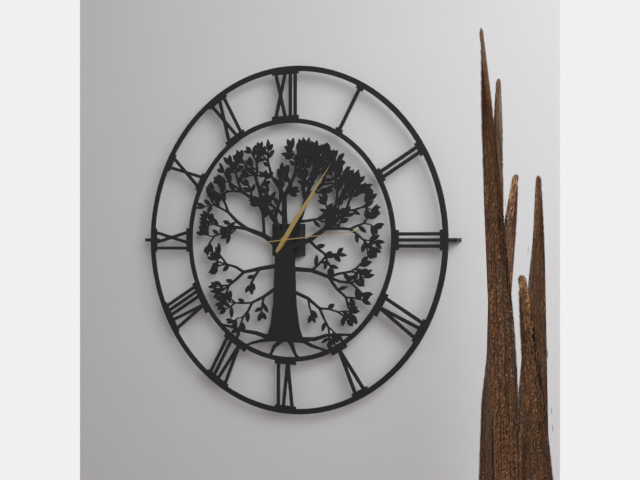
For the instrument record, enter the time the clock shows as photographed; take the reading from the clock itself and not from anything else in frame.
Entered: 1:06:14
